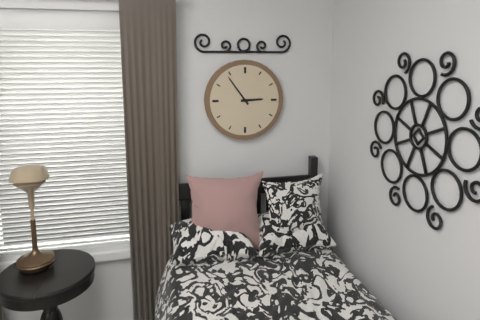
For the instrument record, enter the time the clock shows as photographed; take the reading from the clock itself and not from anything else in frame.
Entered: 2:54
